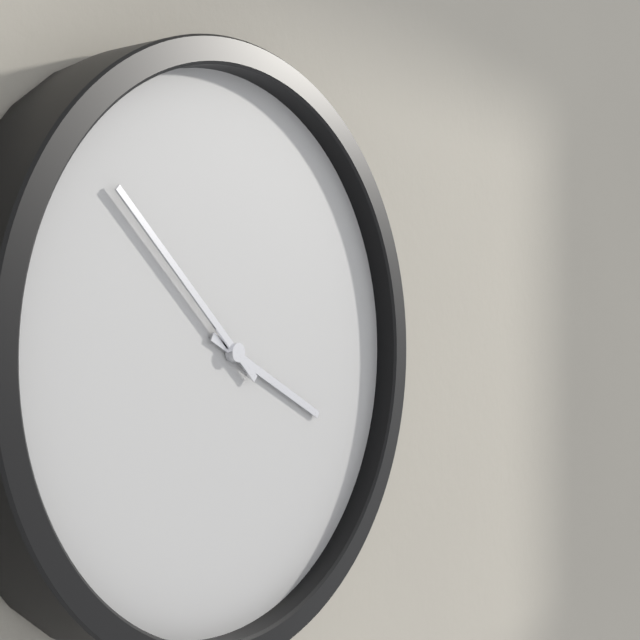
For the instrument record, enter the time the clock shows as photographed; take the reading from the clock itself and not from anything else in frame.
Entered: 3:52
